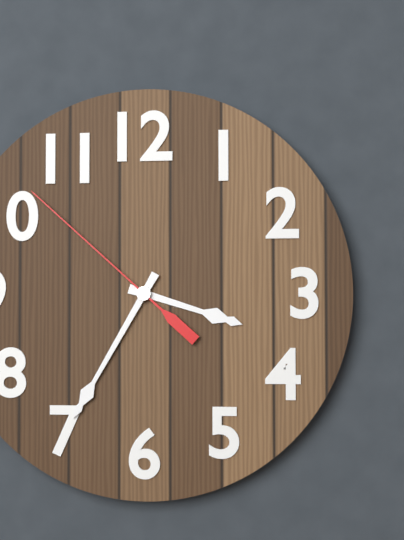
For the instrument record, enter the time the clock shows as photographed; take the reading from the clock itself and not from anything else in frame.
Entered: 3:35:52
